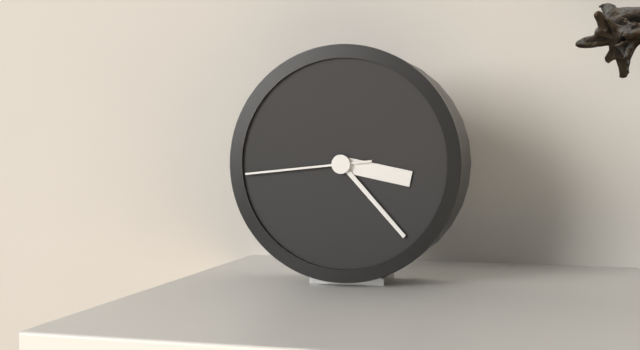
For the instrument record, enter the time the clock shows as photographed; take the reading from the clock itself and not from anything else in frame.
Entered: 3:23:44
